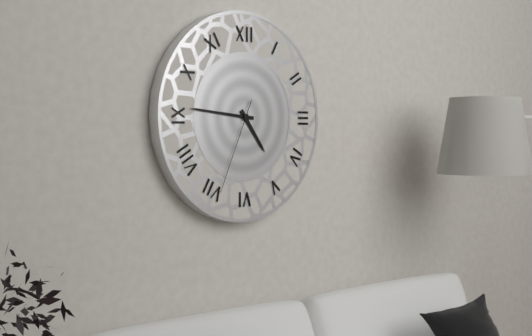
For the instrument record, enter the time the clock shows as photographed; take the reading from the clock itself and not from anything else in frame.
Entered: 4:46:34
